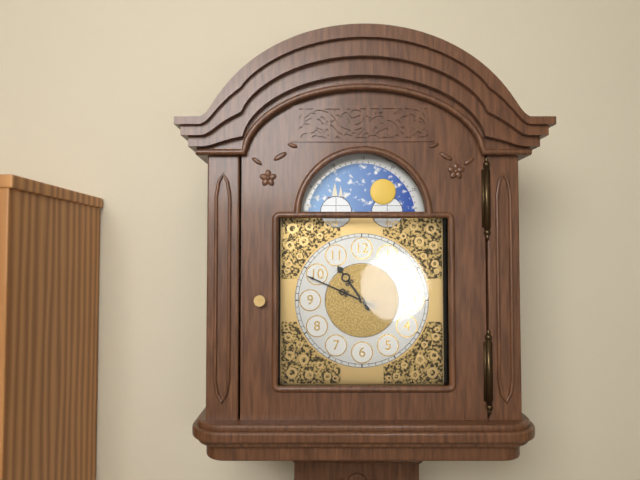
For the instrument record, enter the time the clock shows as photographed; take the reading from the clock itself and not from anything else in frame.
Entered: 10:49
